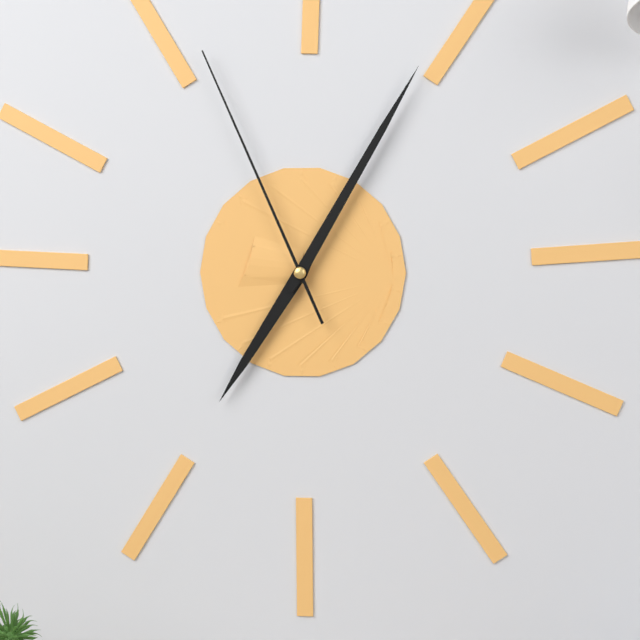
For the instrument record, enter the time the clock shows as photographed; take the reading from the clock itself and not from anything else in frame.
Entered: 7:05:56
